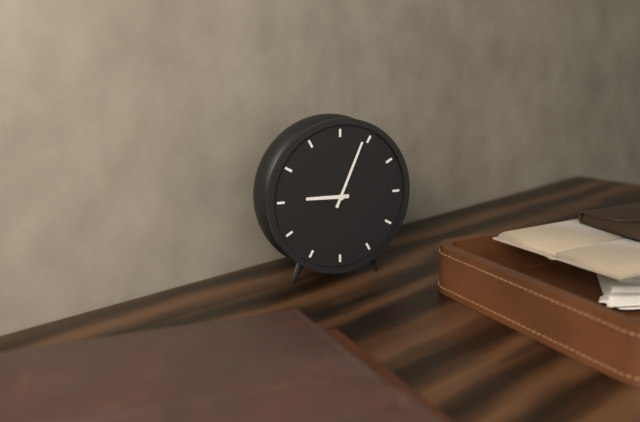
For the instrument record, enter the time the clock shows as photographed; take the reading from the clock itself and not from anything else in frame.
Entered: 9:04
